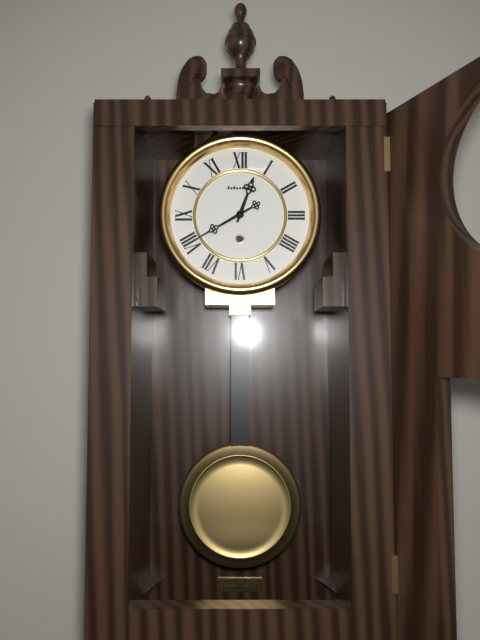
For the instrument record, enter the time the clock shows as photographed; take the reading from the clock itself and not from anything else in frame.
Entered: 12:40
